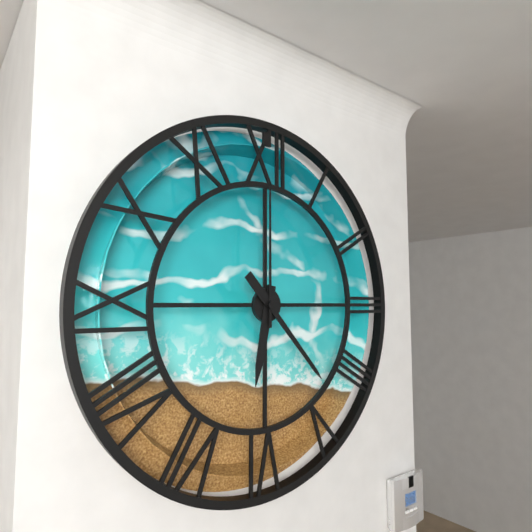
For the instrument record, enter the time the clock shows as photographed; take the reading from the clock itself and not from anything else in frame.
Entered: 6:23:00
